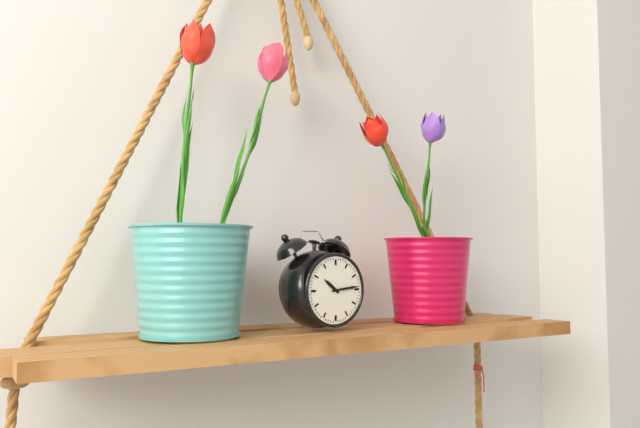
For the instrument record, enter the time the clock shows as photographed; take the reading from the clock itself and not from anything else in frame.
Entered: 10:14
